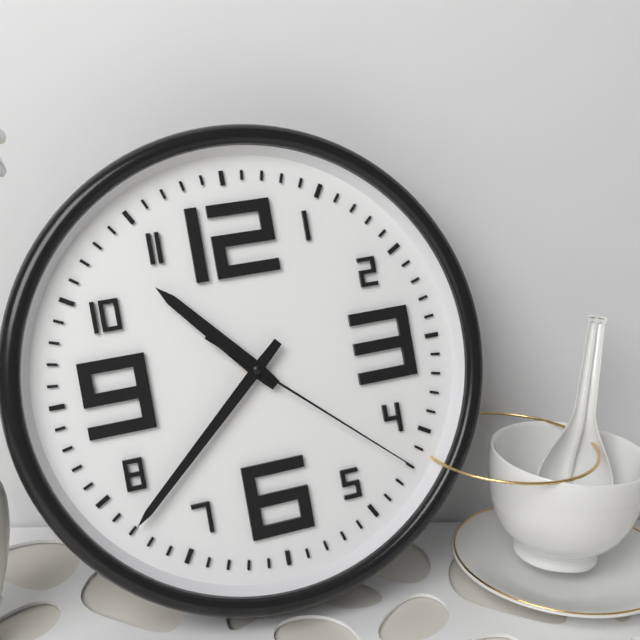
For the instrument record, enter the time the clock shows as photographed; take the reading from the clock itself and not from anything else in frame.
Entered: 10:38:22
